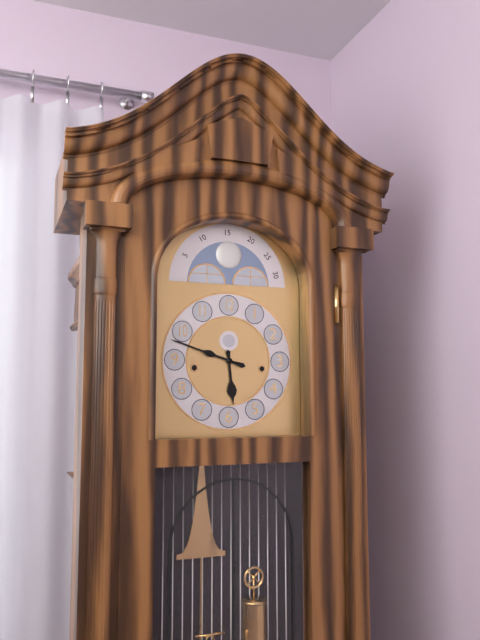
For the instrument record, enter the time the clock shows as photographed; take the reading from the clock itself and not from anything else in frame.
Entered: 5:48
